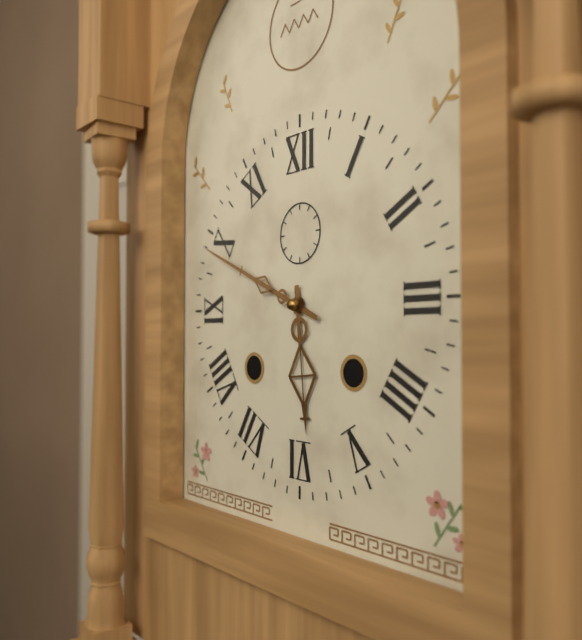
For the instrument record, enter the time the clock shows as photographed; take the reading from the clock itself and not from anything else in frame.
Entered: 5:49
